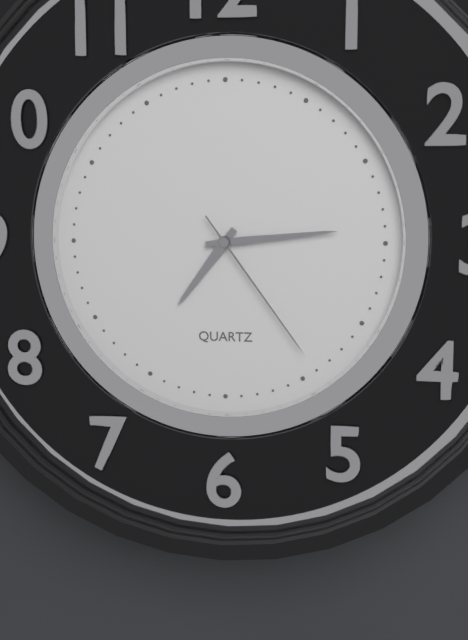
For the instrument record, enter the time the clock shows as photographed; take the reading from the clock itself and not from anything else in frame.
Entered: 7:14:24
